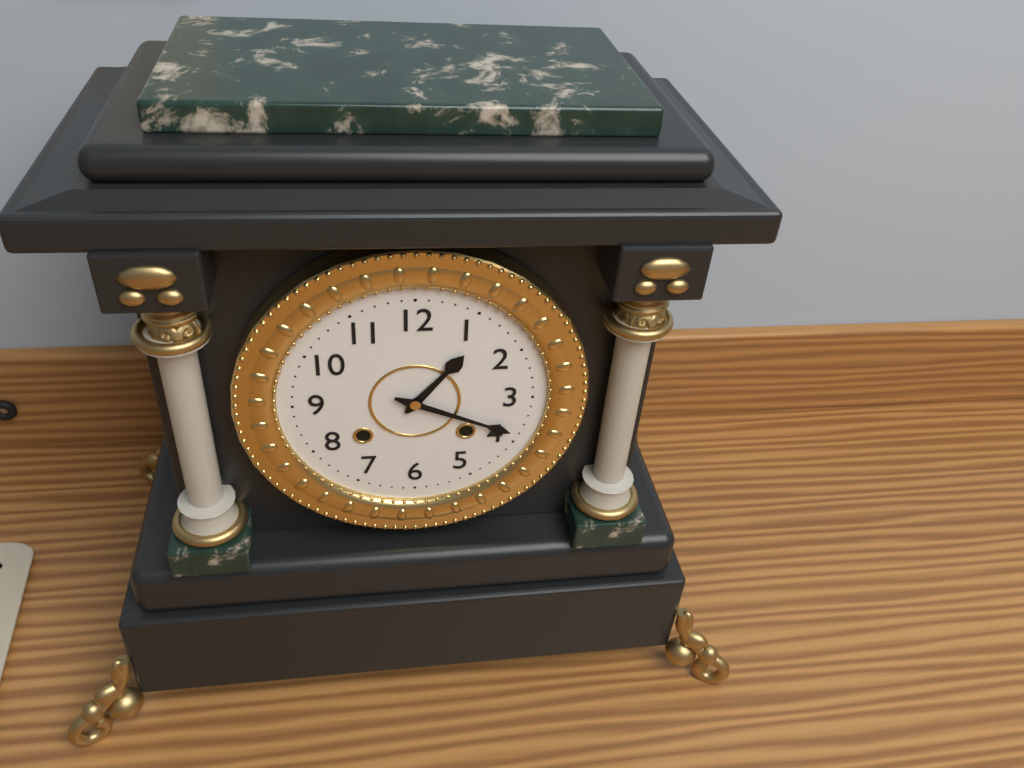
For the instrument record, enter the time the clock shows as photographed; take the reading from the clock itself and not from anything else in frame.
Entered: 1:19
